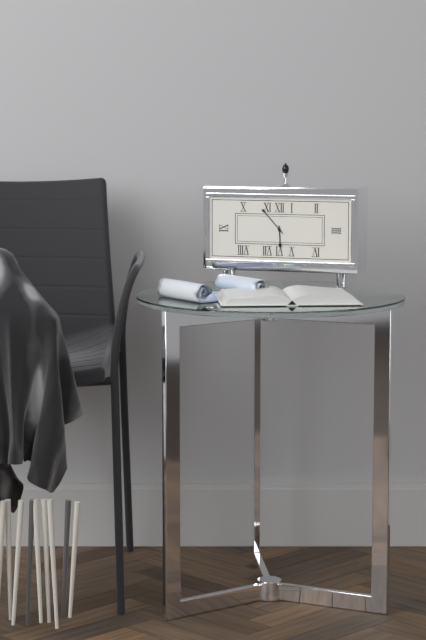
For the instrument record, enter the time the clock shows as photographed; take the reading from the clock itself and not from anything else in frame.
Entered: 5:53
